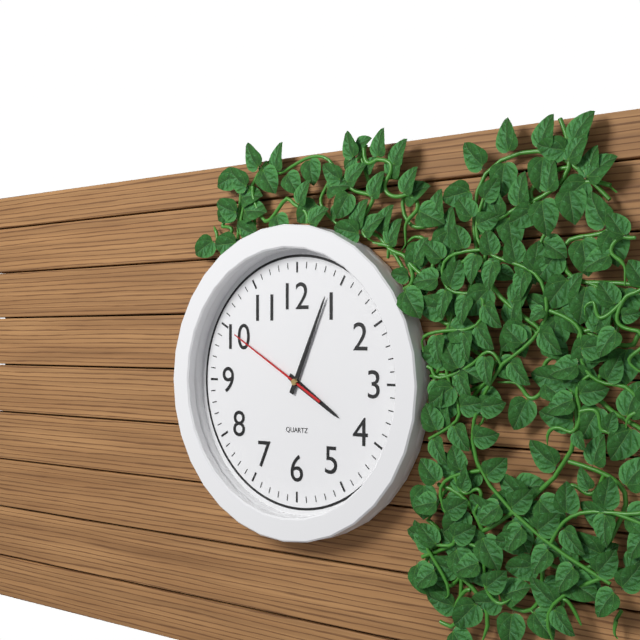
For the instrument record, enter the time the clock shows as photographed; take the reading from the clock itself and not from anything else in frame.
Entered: 4:04:50
